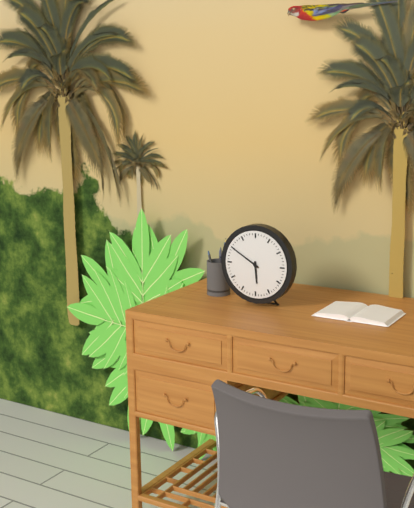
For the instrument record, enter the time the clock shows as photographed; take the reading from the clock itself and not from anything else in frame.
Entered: 5:50
